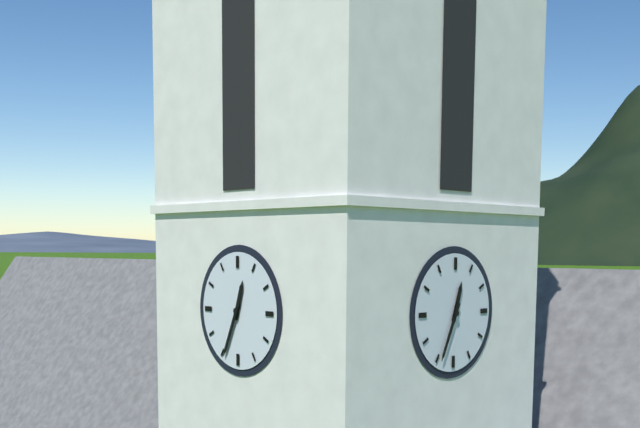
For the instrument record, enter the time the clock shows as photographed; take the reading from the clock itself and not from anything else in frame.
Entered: 12:34
